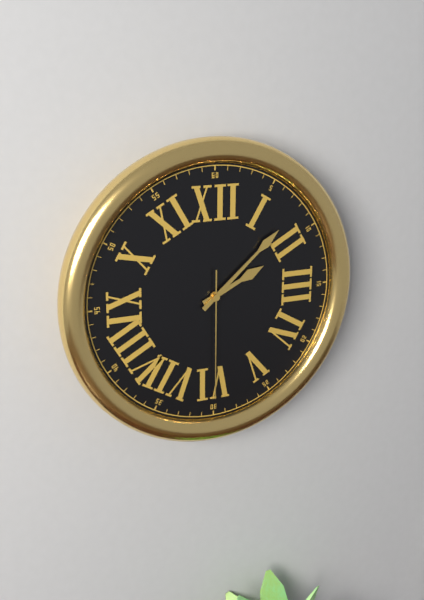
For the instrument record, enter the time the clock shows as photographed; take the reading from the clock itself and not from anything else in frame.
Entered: 2:08:30
